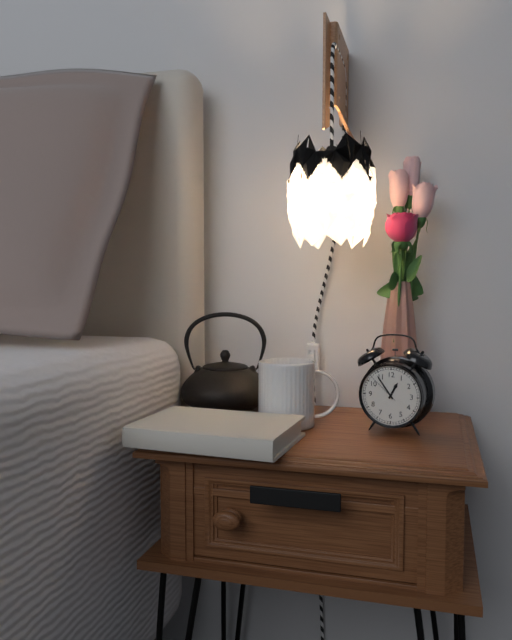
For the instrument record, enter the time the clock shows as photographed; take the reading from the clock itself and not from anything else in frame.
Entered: 12:54
